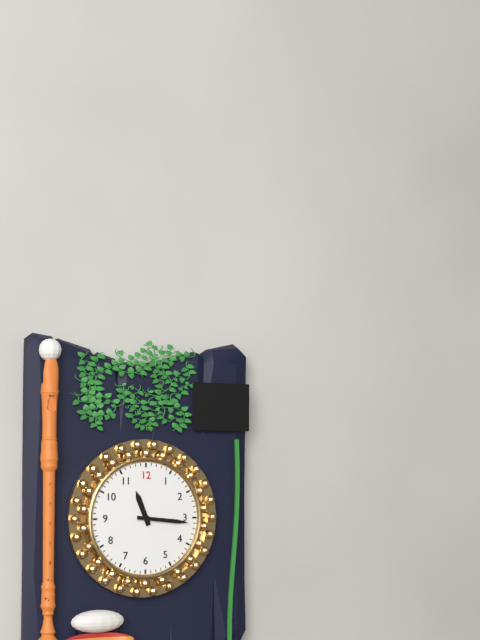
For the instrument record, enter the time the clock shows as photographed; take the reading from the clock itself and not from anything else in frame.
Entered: 11:16
